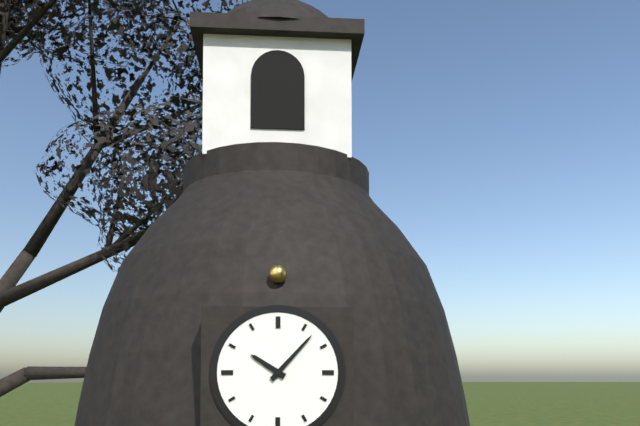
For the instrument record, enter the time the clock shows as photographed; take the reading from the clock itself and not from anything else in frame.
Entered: 10:07
